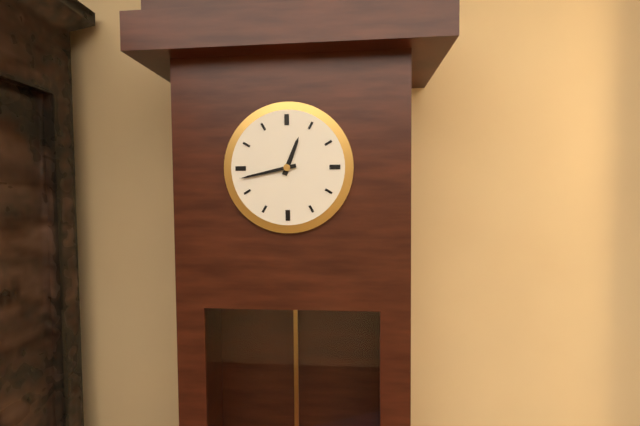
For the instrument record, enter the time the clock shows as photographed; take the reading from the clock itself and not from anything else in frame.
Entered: 12:43
